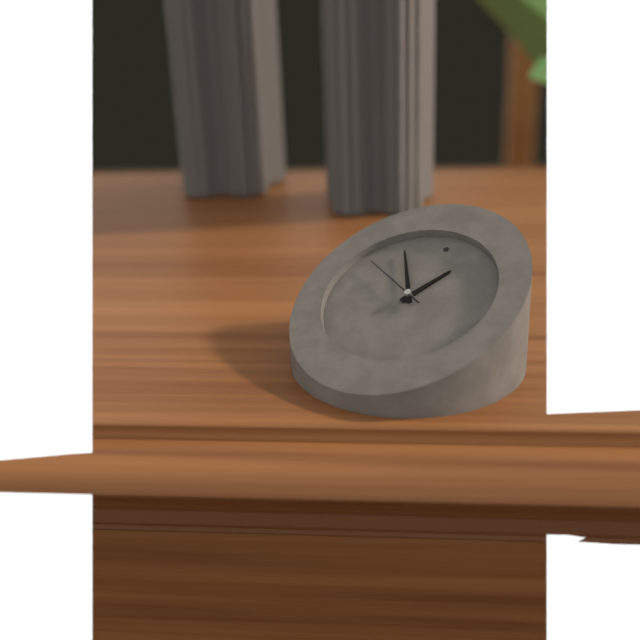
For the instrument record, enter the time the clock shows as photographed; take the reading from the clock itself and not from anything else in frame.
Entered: 12:54:49
